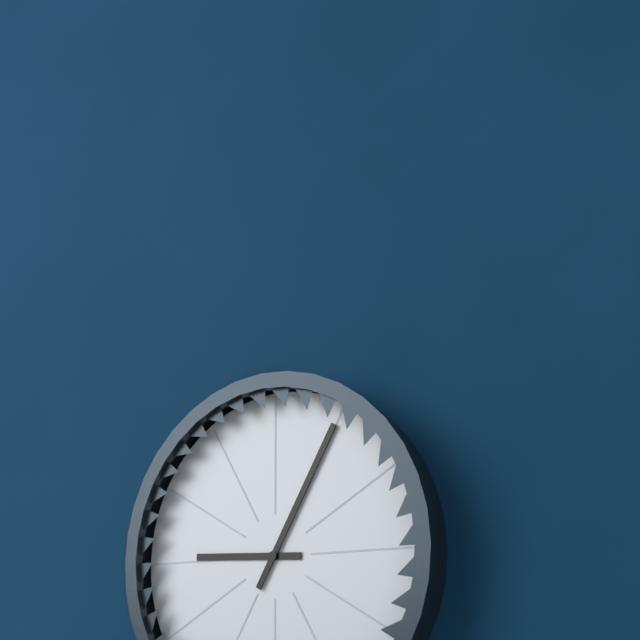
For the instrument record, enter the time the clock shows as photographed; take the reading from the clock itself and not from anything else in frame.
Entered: 9:05
